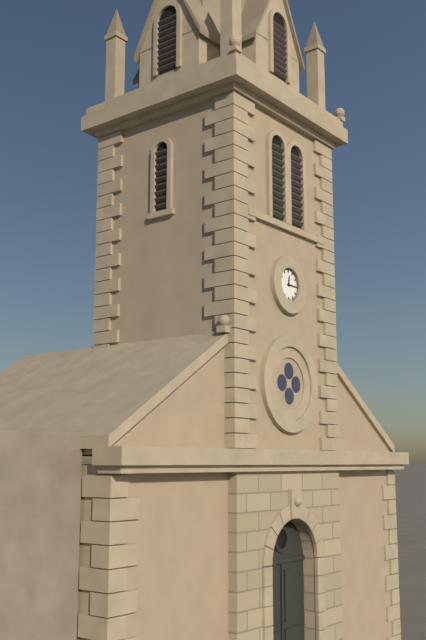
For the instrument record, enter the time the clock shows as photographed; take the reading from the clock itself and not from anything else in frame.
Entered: 12:15
